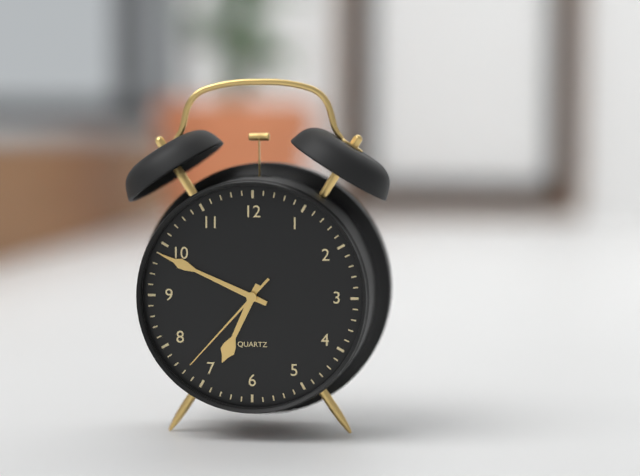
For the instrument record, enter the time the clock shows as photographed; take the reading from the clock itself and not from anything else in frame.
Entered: 6:49:37
